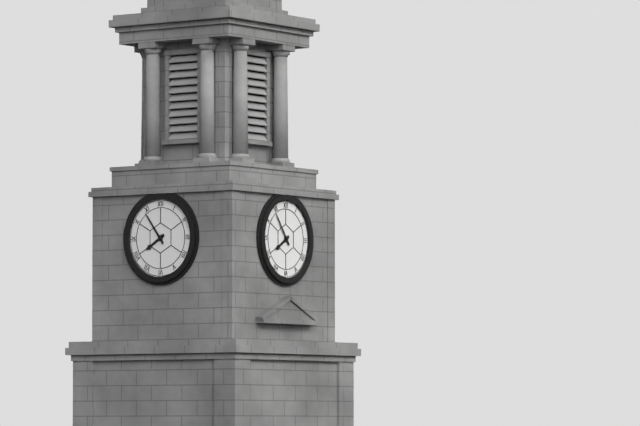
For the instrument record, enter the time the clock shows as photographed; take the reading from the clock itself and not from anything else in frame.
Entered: 7:54
